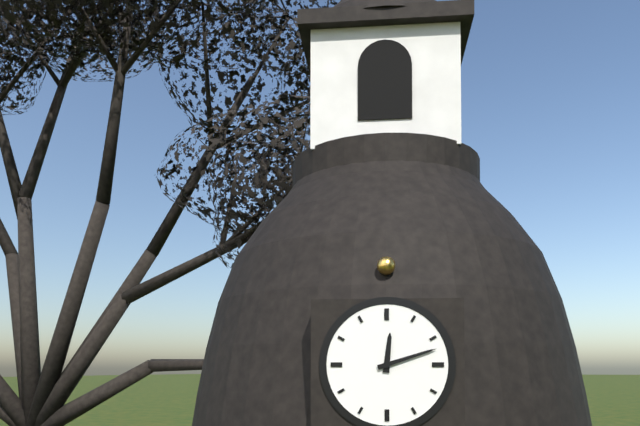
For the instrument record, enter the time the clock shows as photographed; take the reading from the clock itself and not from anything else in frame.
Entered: 12:12
